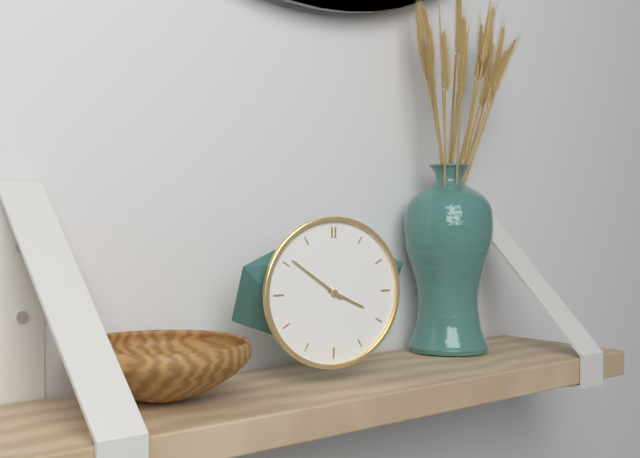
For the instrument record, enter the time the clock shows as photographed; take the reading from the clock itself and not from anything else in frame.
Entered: 3:51
